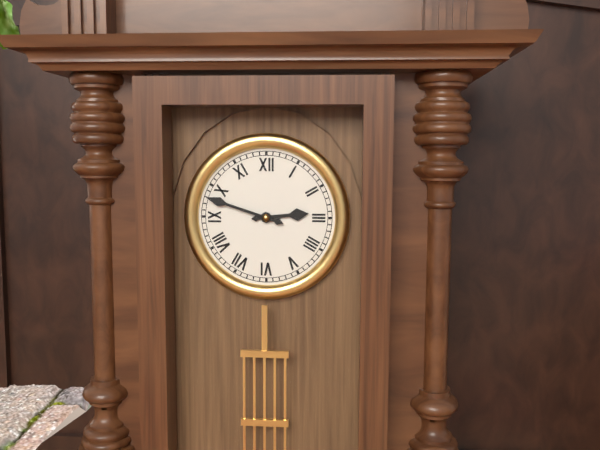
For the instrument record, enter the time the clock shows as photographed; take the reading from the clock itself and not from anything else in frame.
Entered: 2:48
